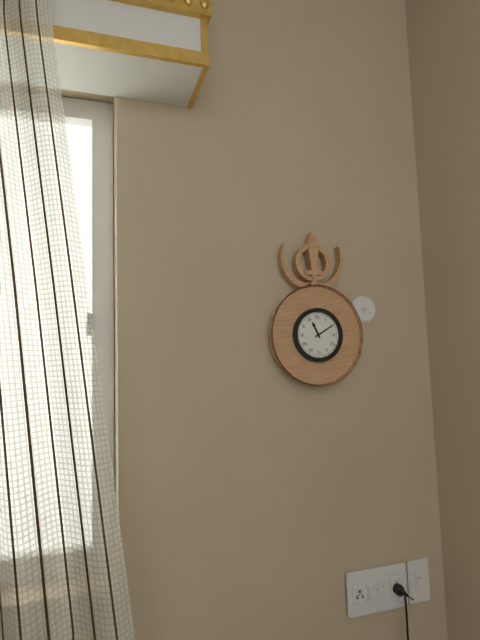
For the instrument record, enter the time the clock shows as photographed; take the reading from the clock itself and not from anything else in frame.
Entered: 11:10
